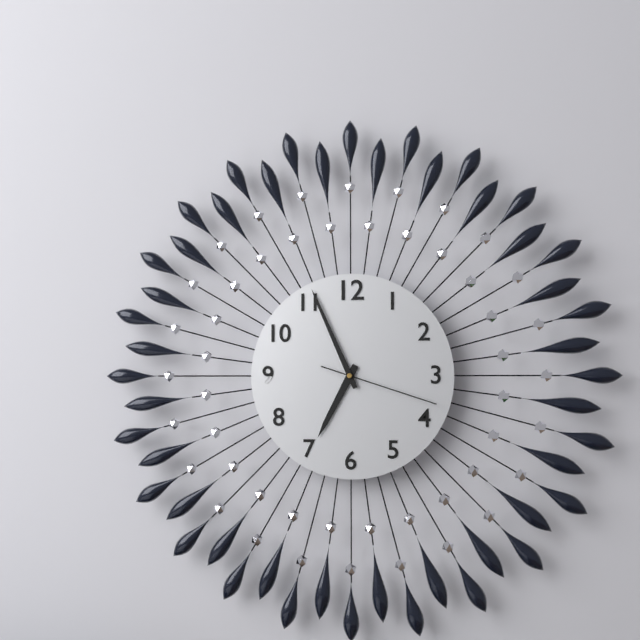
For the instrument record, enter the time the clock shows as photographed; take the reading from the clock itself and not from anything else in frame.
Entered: 6:56:18
